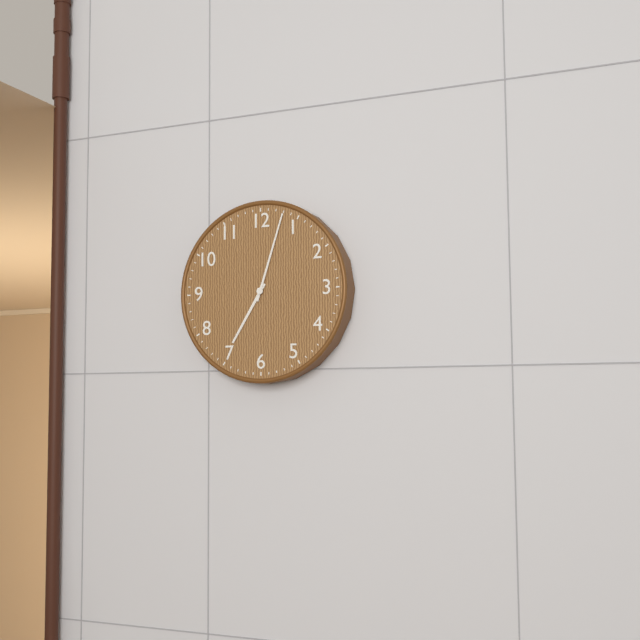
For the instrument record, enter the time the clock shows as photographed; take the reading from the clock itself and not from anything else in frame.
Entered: 7:03
